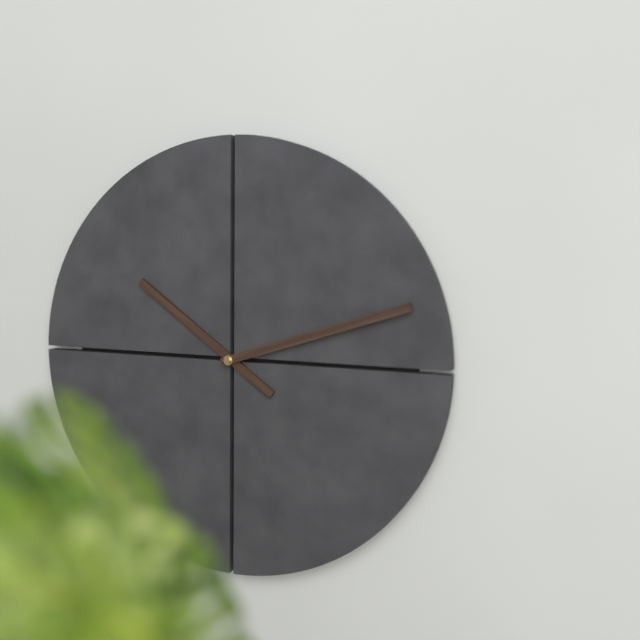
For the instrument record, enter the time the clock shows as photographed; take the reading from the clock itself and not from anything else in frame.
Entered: 10:12
